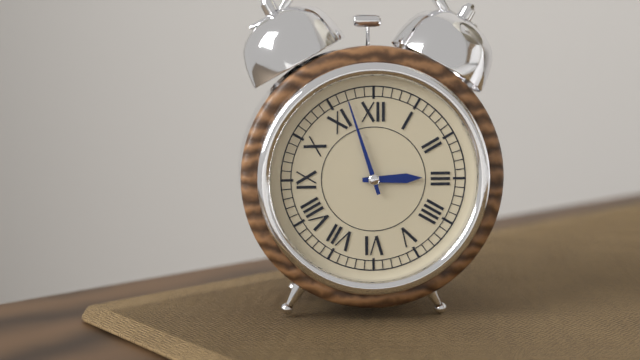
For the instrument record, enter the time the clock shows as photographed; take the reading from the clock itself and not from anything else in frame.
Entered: 2:57
